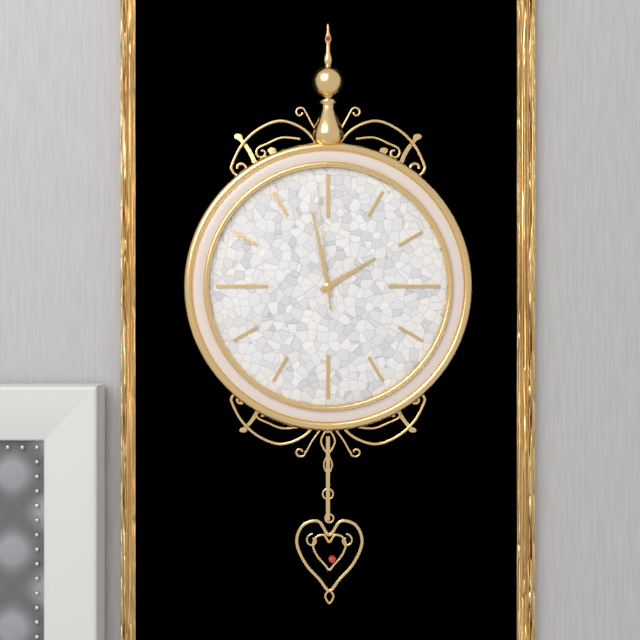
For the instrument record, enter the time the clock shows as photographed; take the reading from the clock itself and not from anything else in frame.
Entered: 1:58:59
